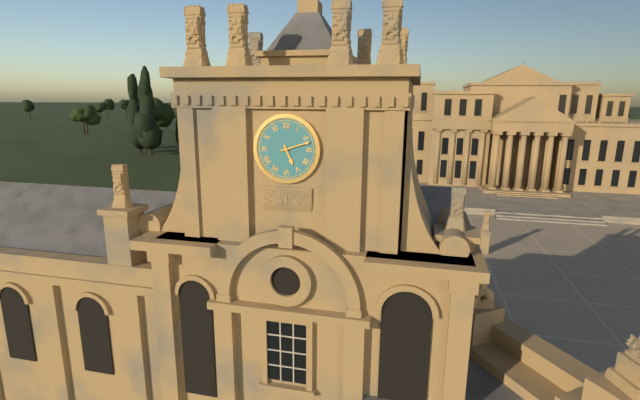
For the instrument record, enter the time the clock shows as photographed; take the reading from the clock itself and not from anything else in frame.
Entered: 5:12
